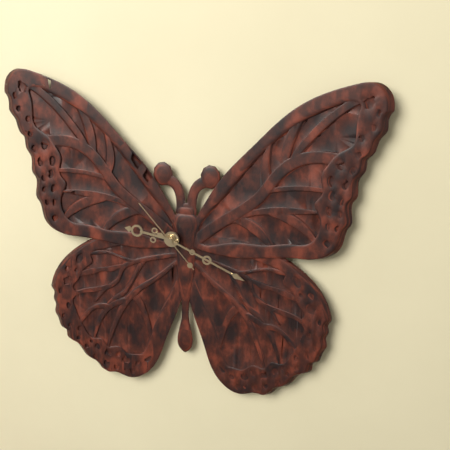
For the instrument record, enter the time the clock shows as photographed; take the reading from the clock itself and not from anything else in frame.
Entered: 9:19:53
